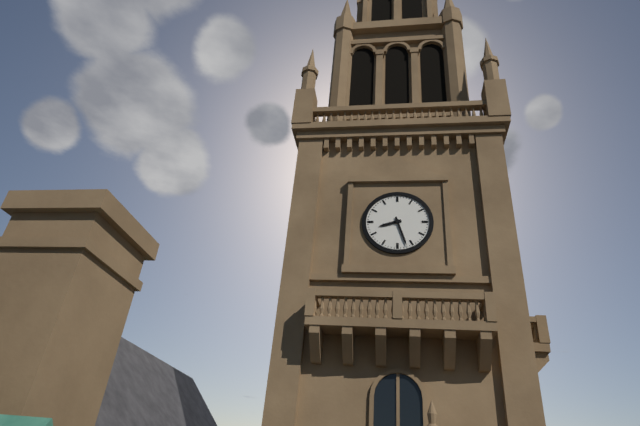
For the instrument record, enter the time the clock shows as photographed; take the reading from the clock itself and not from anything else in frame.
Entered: 8:27
